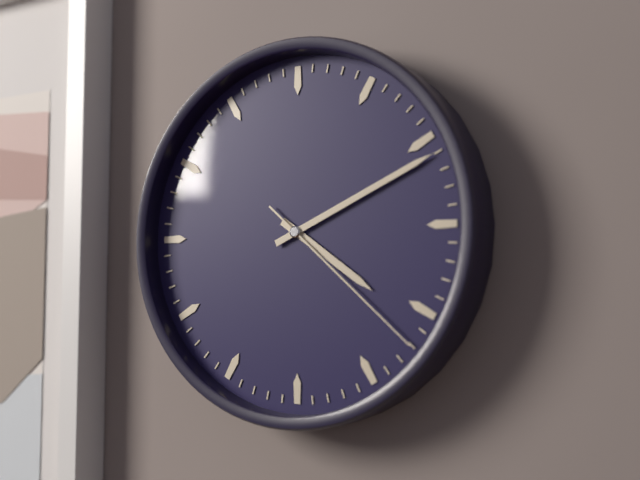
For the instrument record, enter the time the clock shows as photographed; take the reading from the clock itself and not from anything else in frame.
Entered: 4:11:22
